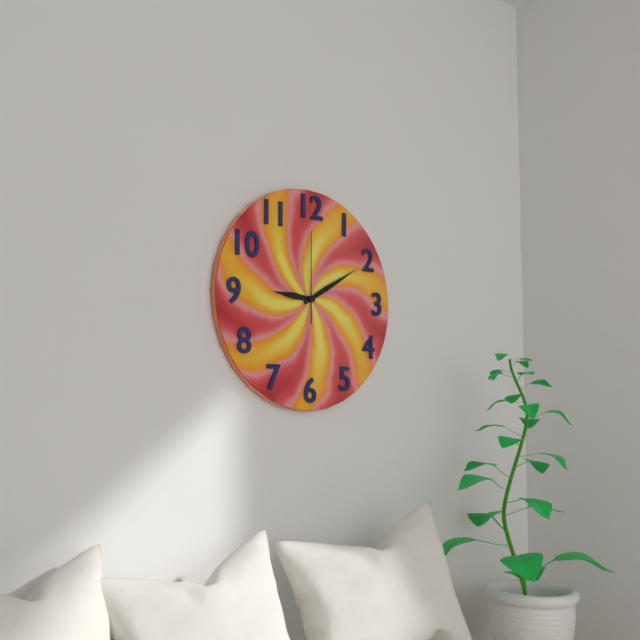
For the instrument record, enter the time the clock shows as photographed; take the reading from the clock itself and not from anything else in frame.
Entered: 9:10:00
